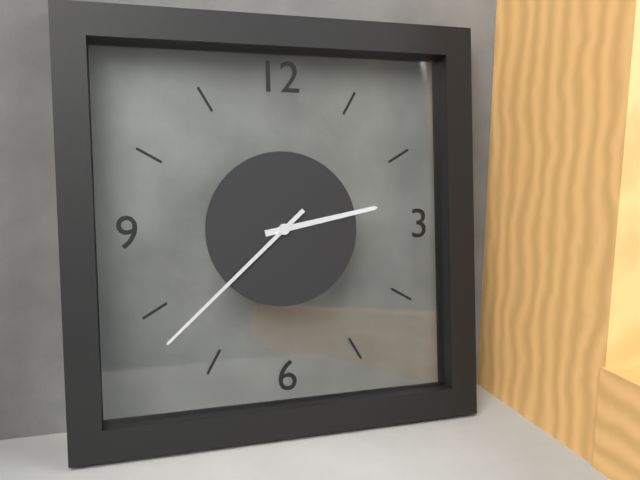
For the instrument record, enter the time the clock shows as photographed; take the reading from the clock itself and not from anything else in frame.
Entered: 2:38
